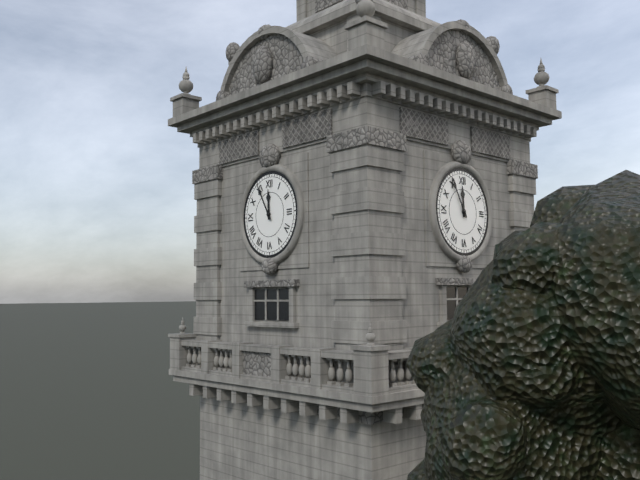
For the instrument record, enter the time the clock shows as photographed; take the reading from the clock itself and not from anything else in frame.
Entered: 11:55
